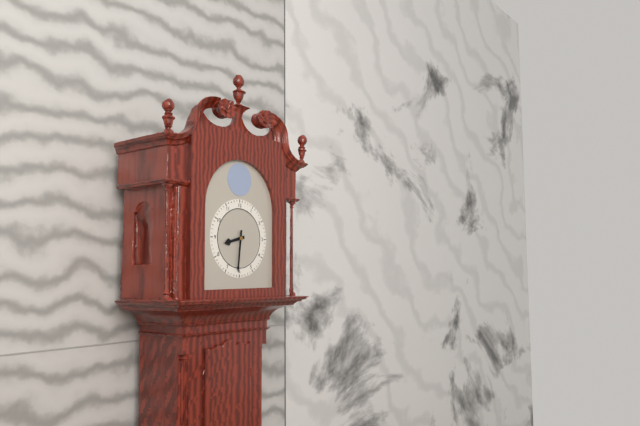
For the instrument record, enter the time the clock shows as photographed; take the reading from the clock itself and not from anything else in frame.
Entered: 8:31
